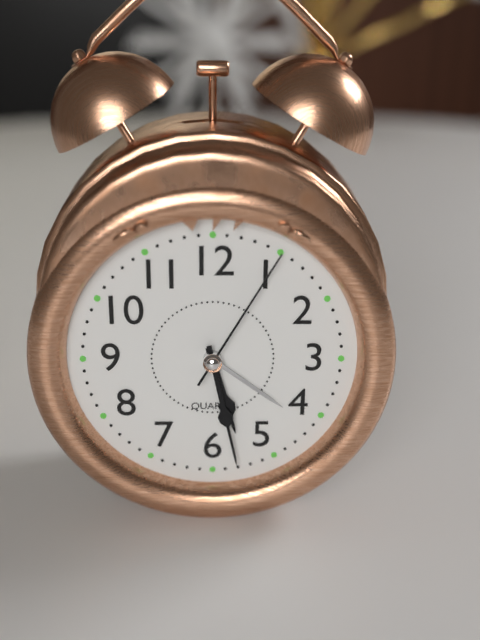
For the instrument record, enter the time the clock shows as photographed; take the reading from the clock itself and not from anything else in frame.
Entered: 5:28:05
